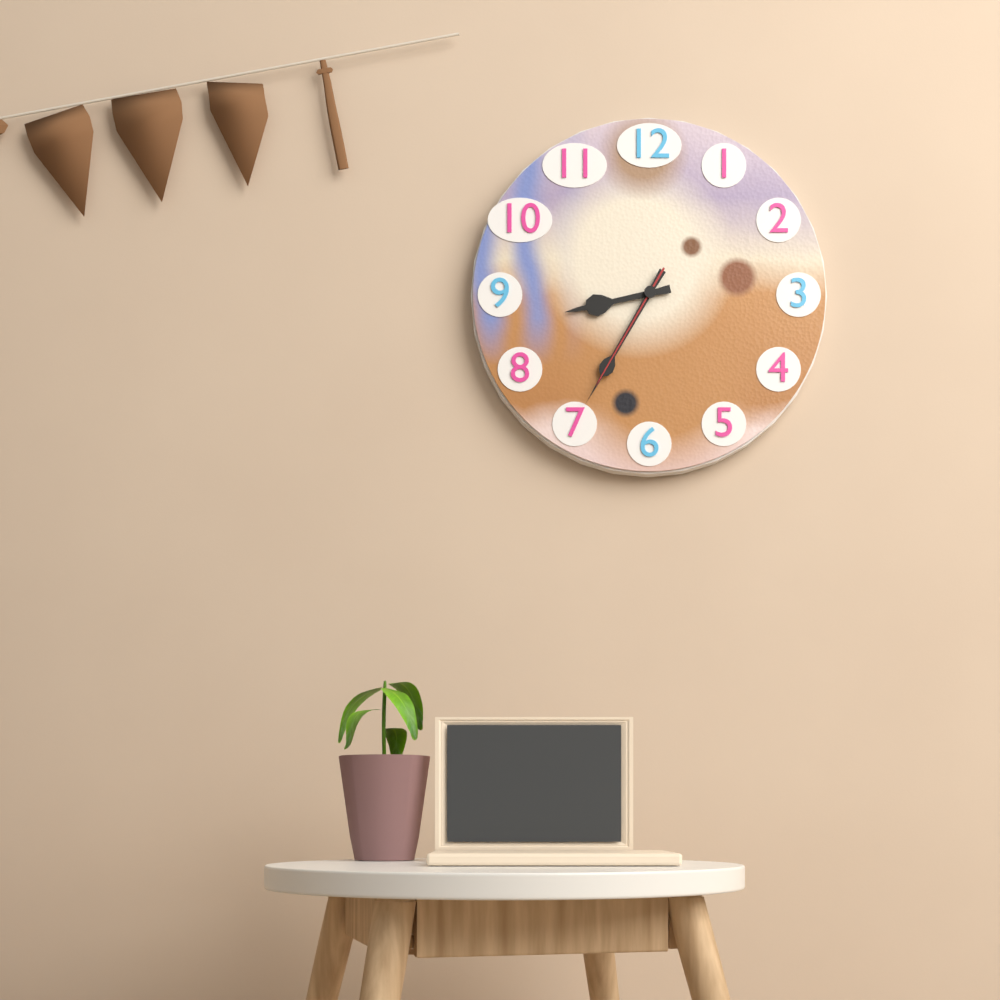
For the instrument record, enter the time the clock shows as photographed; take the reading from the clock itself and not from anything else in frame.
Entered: 8:35:35
